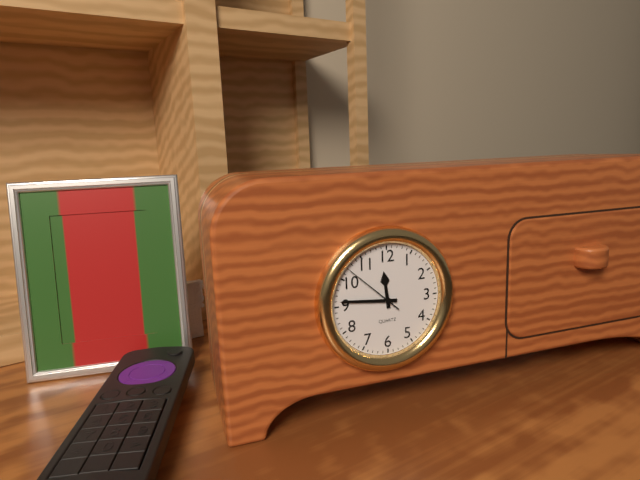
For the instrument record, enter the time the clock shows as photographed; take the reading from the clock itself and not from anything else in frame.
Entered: 11:46:52
